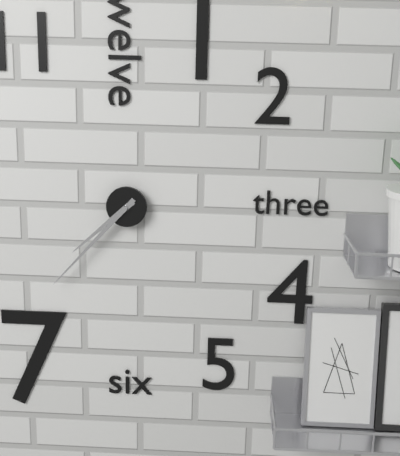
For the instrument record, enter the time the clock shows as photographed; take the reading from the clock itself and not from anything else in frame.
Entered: 7:37
